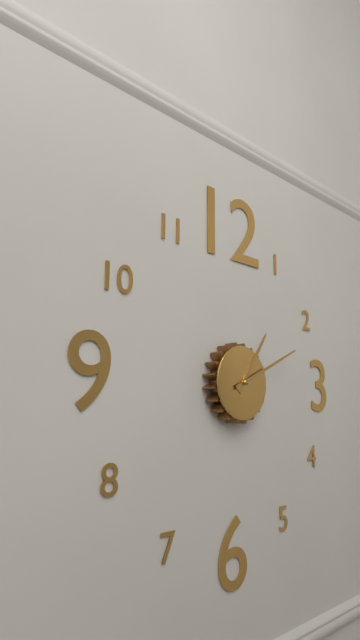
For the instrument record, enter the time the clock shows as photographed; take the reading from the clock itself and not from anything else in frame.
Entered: 1:11
